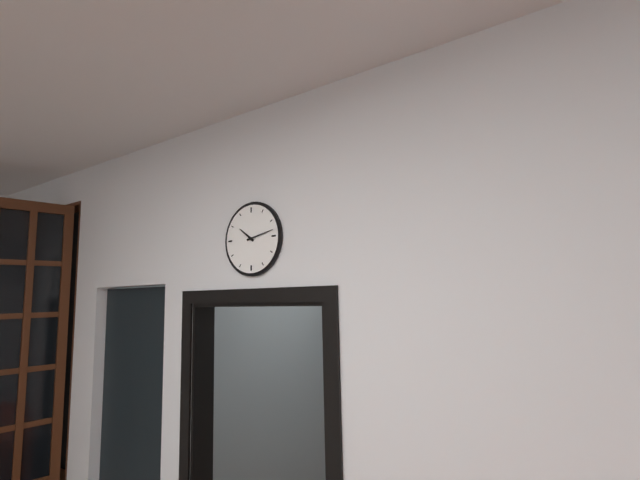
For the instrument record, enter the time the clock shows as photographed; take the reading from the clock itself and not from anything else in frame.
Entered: 10:13
